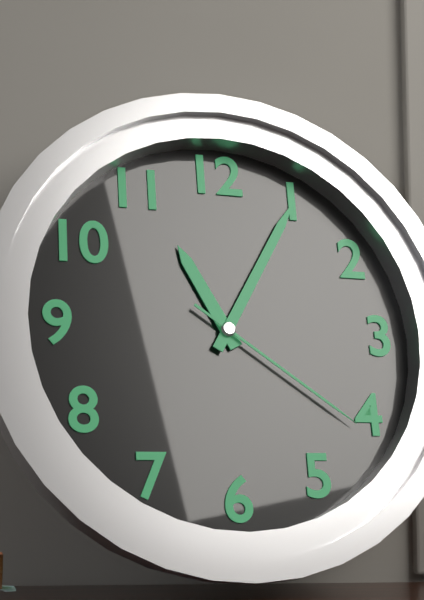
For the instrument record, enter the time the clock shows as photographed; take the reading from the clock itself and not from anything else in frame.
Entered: 11:05:21
